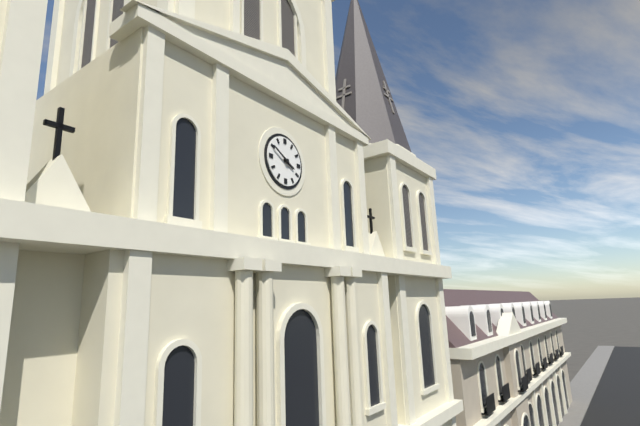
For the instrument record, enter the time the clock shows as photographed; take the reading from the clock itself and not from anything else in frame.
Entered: 3:50
